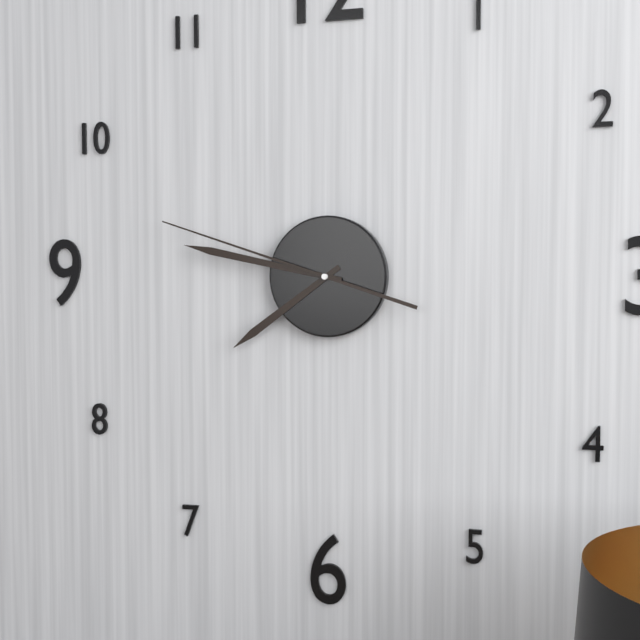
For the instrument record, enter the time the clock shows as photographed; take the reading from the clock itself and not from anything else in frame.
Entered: 7:47:48
